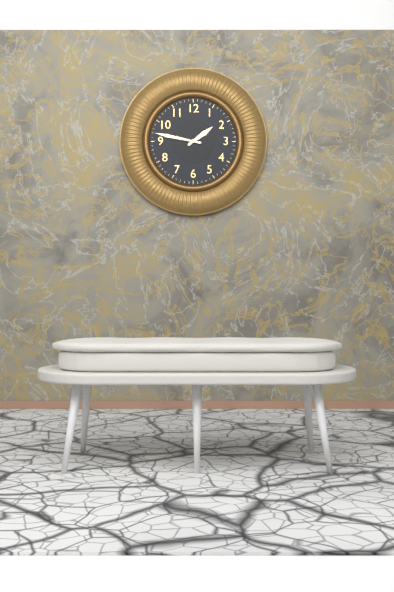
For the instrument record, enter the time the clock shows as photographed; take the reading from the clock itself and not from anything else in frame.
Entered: 1:47
